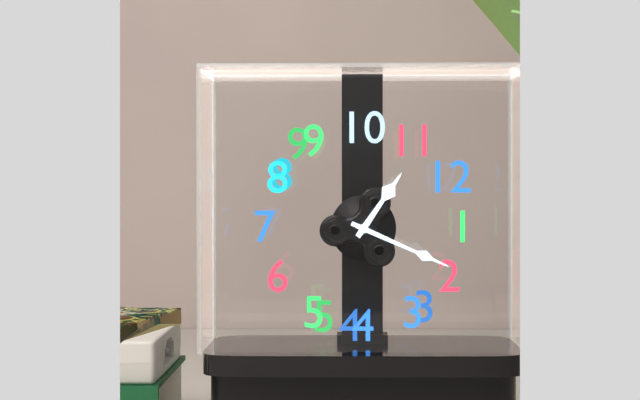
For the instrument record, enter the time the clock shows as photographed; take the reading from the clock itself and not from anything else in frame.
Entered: 11:09
